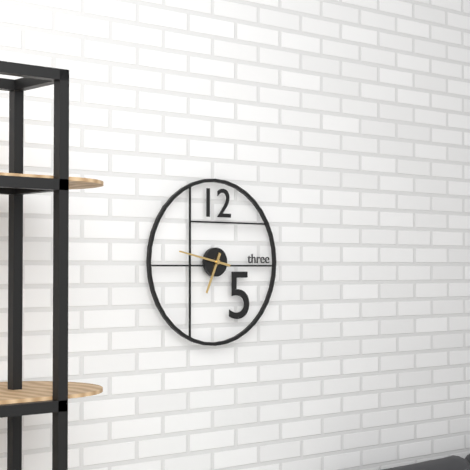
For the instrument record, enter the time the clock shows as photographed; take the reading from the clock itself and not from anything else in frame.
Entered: 6:47
